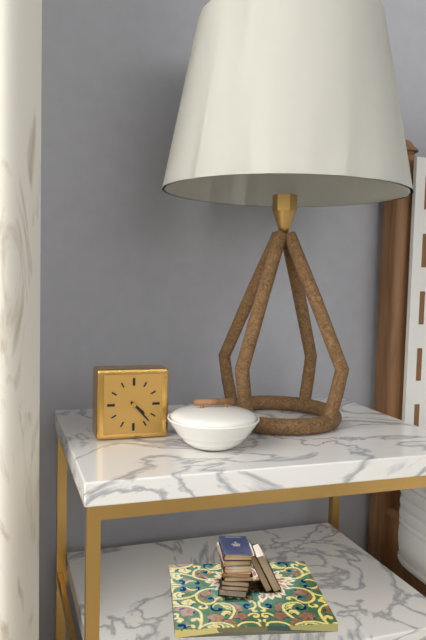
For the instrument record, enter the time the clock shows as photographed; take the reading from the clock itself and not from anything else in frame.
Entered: 4:23
